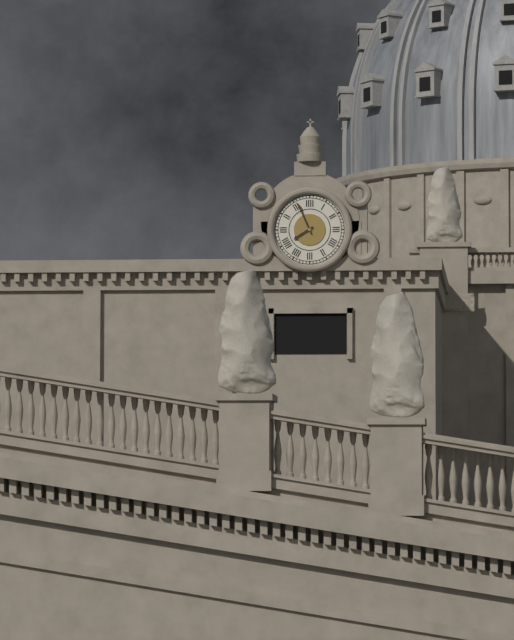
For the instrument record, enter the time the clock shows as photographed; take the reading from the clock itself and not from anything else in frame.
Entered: 7:56
